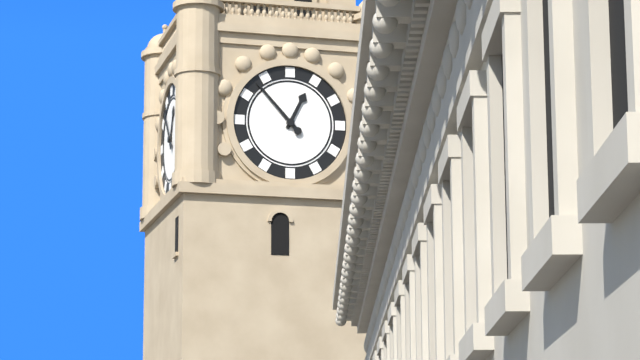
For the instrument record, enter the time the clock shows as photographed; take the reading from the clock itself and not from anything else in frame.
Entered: 12:53
